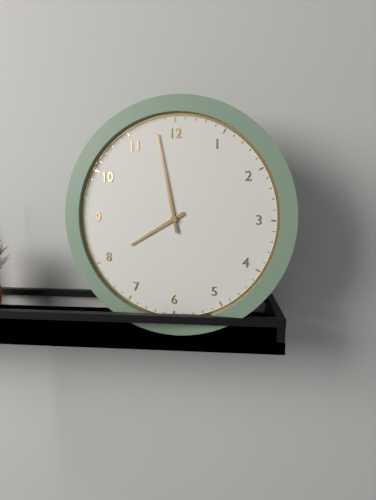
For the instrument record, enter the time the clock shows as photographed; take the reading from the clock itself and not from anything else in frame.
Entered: 7:58
